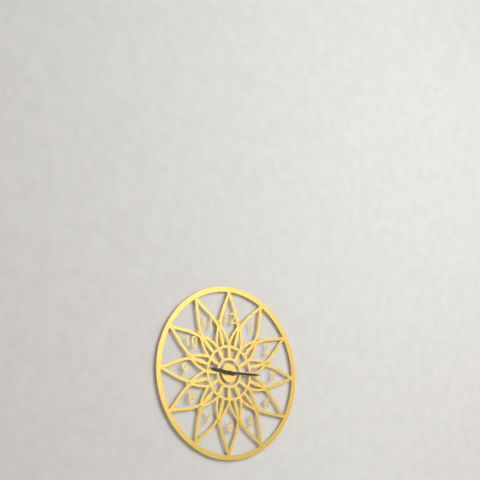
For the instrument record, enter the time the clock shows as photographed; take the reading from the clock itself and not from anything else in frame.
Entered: 9:15
